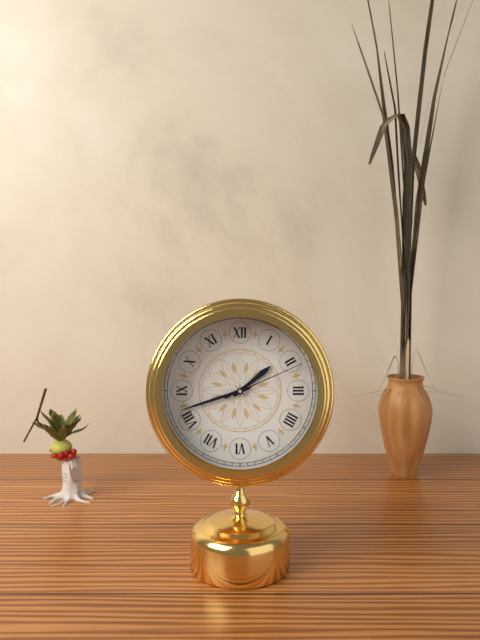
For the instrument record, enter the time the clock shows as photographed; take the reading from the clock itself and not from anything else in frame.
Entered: 1:42:11
